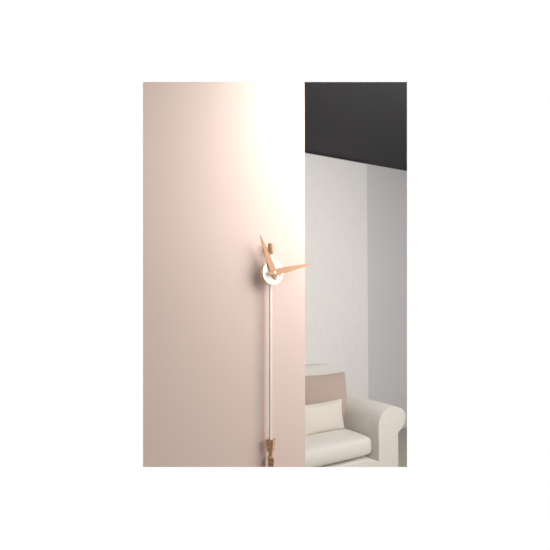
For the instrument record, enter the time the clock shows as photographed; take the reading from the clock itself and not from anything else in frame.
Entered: 11:13
